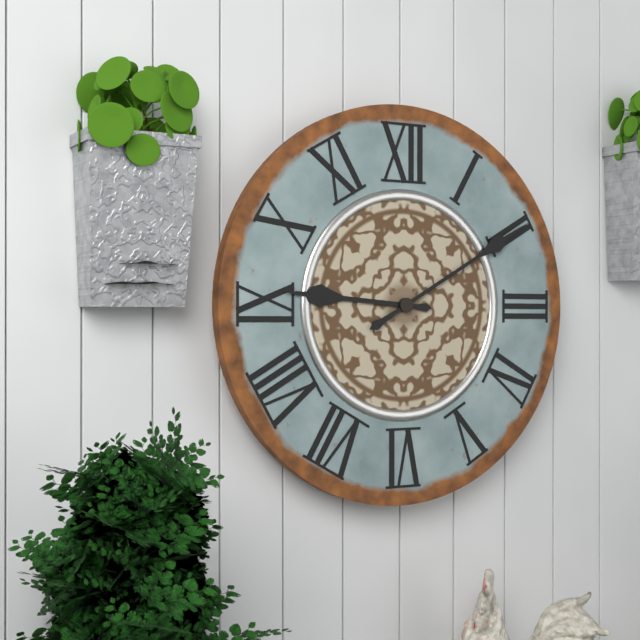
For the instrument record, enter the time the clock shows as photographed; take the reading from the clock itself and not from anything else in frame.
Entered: 9:10
